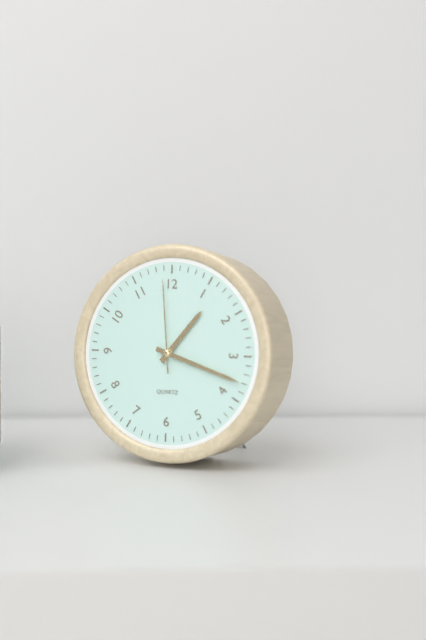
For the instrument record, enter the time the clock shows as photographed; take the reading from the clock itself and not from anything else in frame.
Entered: 1:18:59
